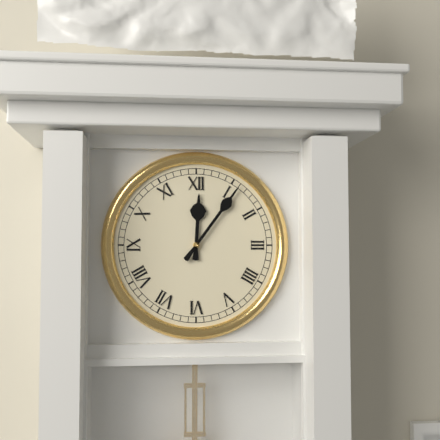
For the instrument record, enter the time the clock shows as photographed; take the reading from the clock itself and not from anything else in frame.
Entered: 12:06
